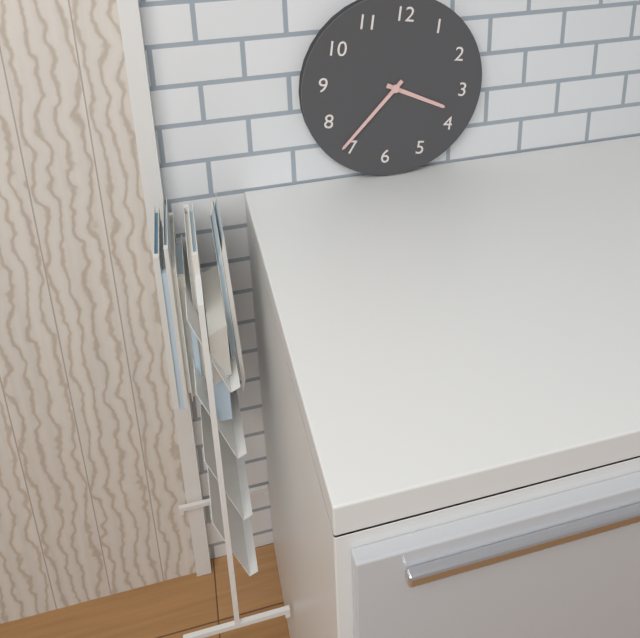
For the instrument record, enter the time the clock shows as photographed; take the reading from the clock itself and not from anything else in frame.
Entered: 3:36
